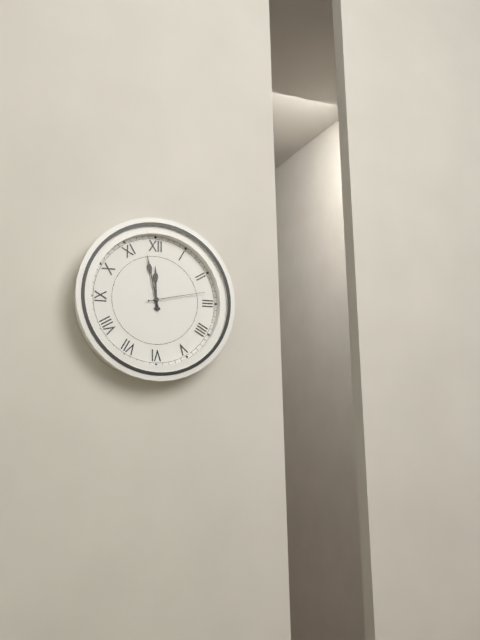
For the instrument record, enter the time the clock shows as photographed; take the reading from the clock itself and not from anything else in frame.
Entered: 11:58:13
